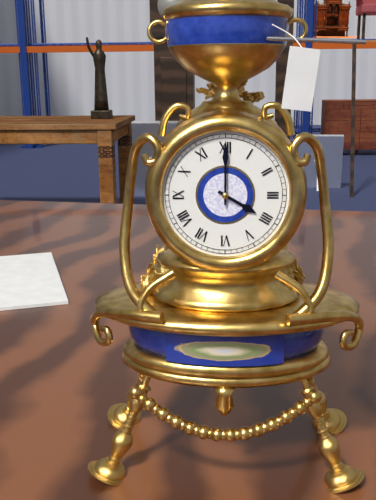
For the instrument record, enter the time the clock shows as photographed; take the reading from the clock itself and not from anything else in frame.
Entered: 4:00
